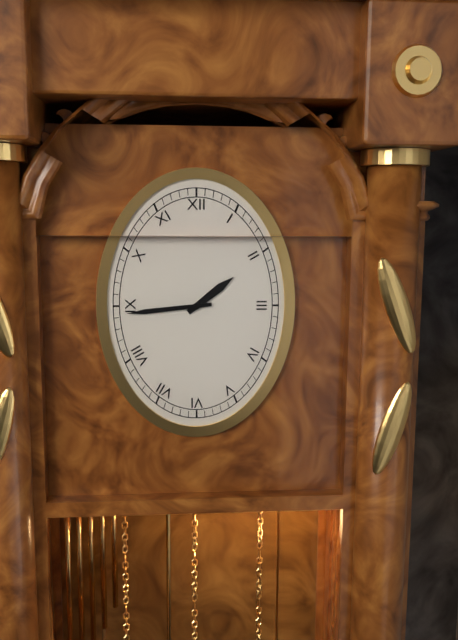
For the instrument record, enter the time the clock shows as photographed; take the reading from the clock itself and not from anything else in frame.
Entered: 1:44
